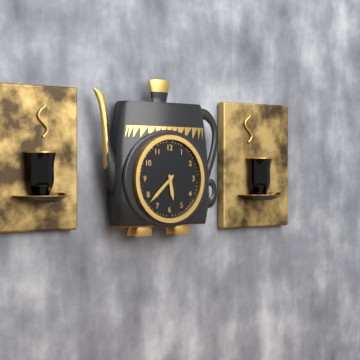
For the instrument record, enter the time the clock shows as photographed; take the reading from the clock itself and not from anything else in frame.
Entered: 5:38
